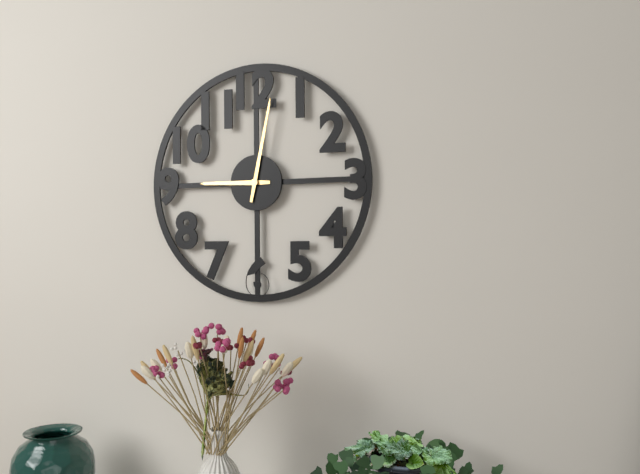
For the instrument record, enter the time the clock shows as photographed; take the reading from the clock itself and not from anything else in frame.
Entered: 9:02
